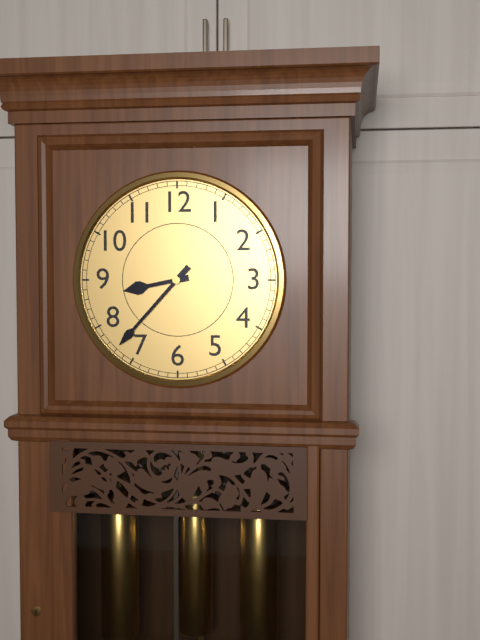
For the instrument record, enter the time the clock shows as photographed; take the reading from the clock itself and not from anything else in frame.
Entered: 8:37
